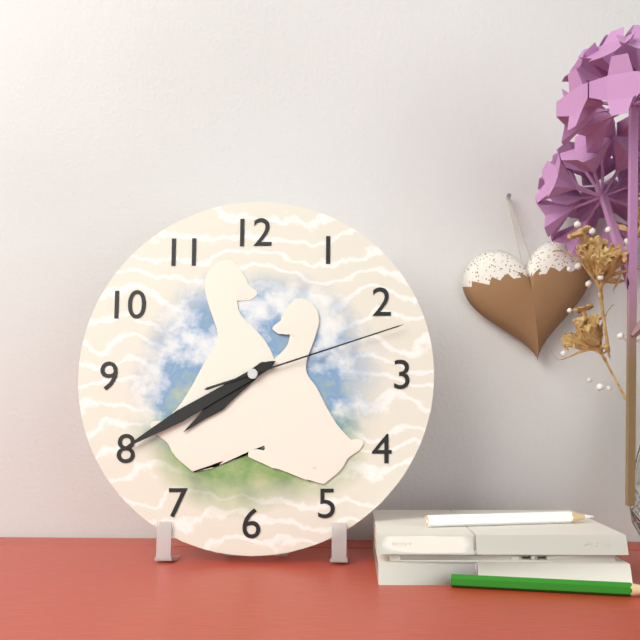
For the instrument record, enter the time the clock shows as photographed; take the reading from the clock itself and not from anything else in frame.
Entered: 7:40:12
